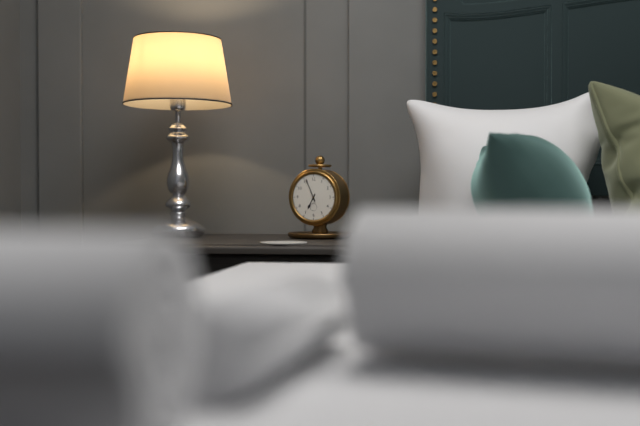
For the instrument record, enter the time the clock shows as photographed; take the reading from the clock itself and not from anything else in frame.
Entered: 6:56
